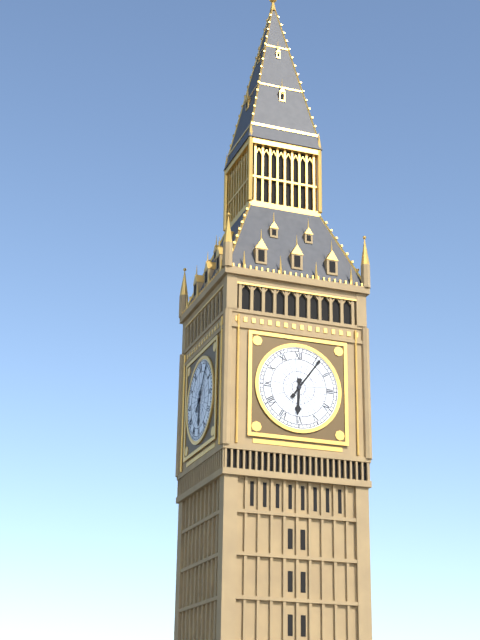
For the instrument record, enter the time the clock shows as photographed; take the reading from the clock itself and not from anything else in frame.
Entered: 6:06
